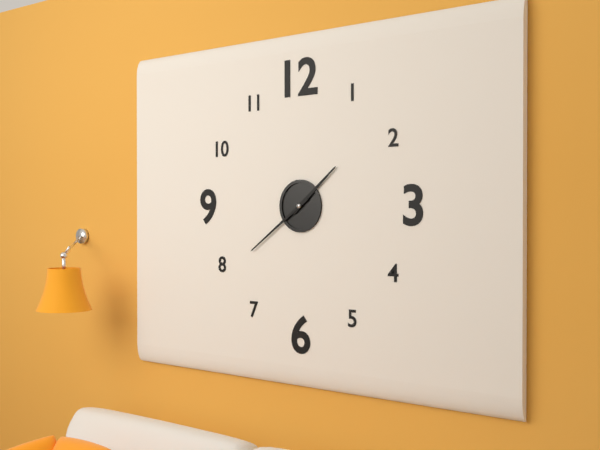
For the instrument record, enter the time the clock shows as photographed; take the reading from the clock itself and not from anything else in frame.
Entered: 1:39
